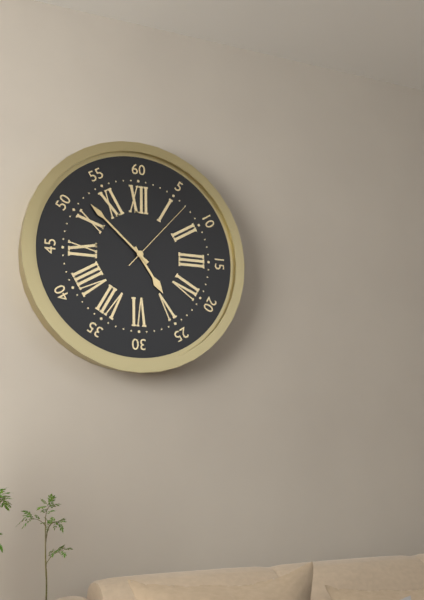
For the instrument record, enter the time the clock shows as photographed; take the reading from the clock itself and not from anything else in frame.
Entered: 4:52:07
